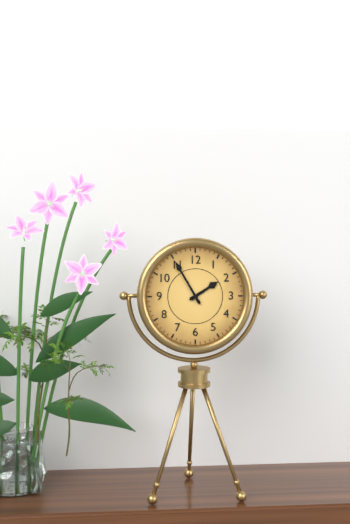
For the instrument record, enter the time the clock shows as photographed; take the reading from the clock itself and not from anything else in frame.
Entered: 1:55
